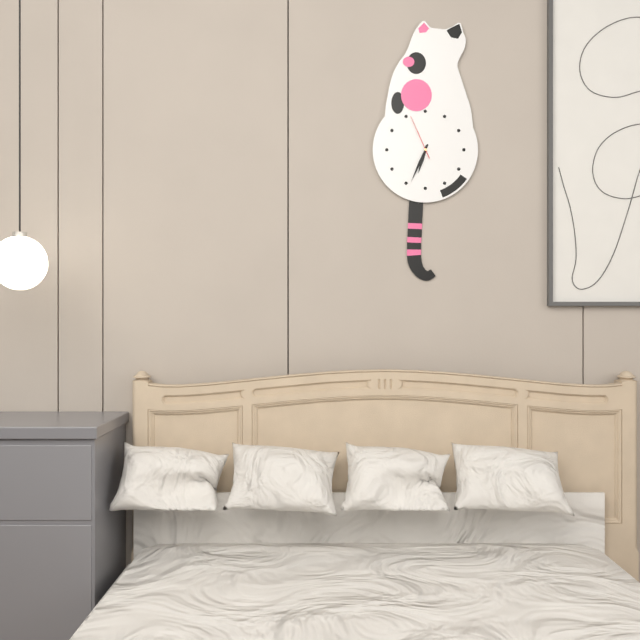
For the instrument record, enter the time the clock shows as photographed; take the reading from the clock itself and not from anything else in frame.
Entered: 6:34
